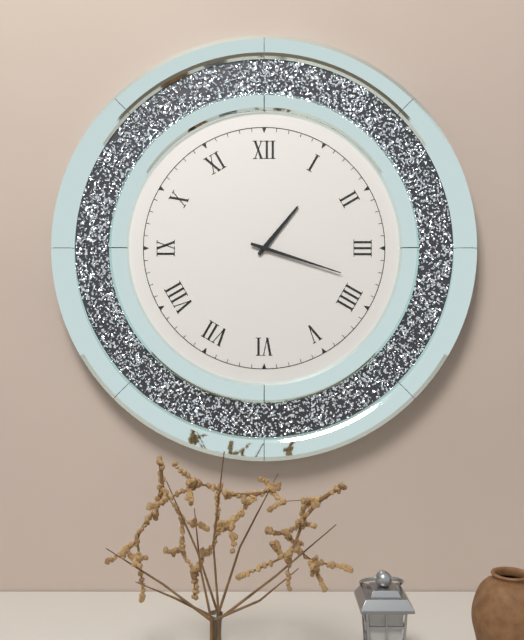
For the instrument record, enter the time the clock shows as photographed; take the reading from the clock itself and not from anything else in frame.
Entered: 1:18
